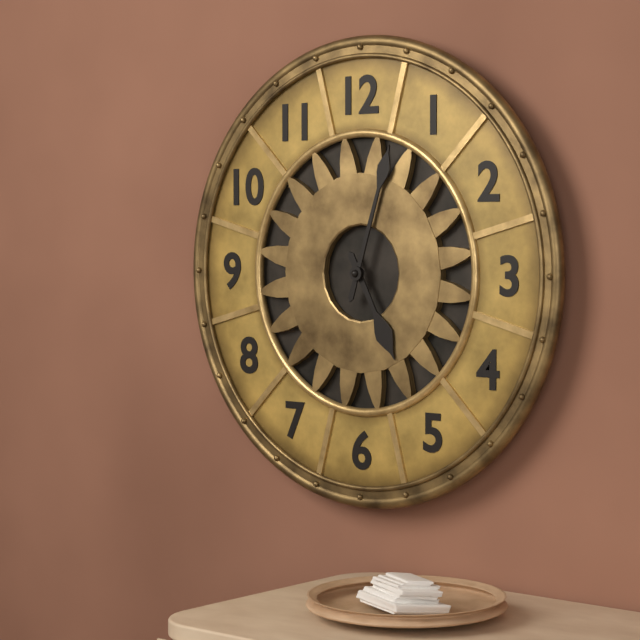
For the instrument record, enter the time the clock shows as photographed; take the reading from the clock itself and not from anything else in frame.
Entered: 5:03
